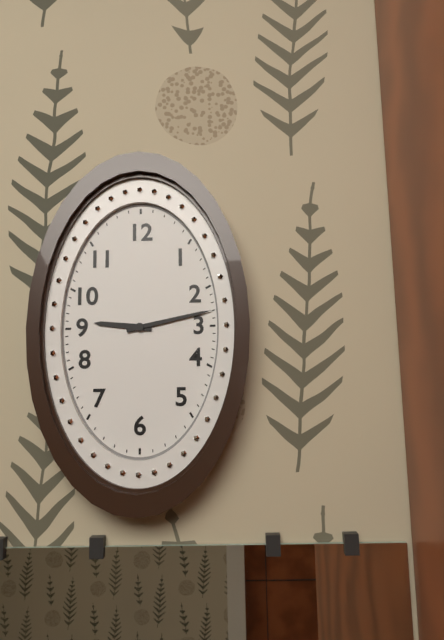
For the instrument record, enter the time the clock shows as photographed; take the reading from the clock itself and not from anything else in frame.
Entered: 9:13
